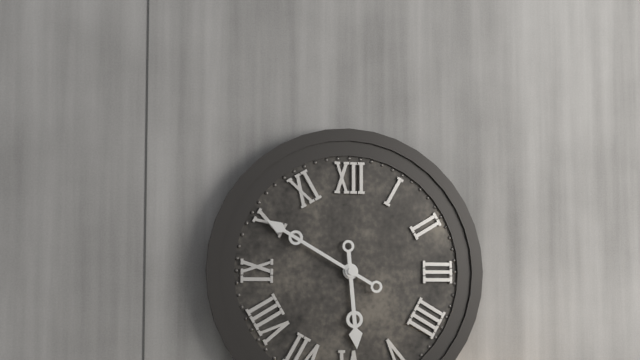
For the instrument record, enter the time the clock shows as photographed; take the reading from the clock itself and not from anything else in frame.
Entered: 5:50
